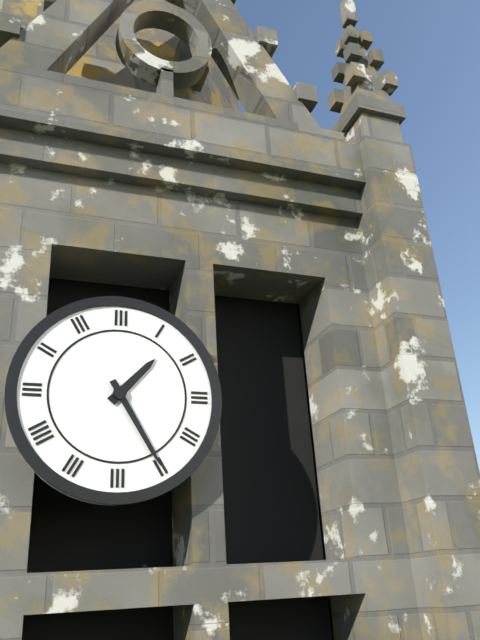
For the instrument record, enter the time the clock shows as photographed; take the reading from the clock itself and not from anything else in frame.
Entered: 1:25
